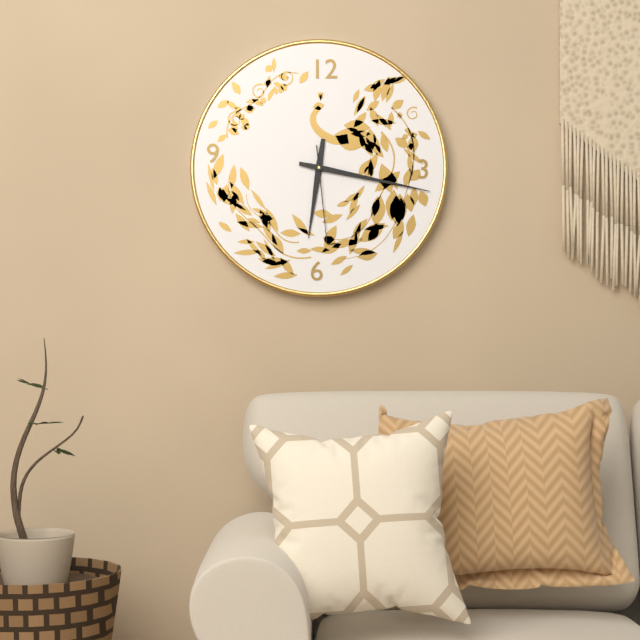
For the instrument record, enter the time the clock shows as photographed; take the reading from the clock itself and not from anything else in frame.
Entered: 6:17:29
